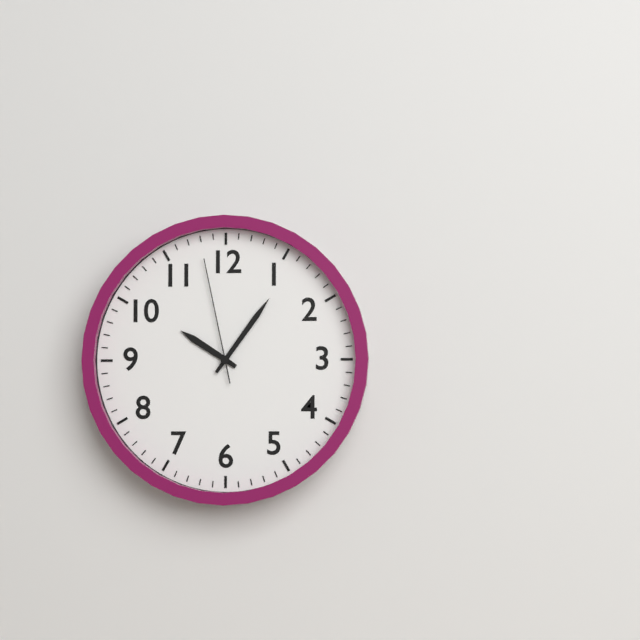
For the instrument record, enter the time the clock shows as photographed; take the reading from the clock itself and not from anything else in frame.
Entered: 10:06:58
